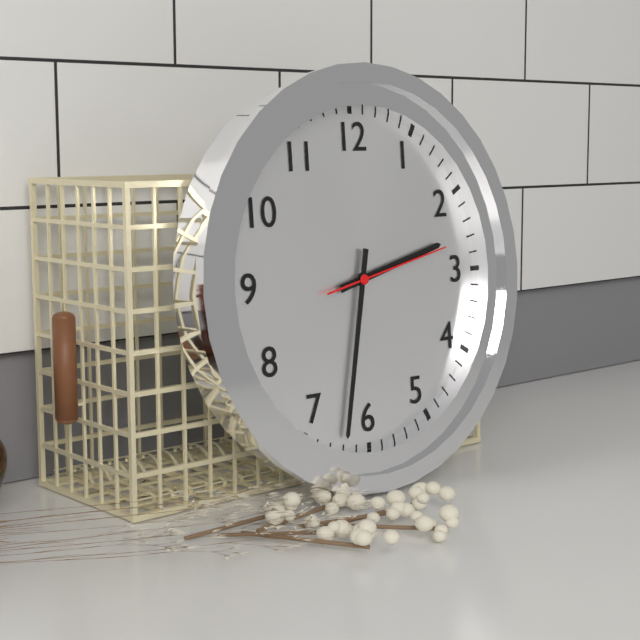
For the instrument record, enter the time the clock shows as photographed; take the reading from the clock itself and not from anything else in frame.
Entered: 2:32:13
